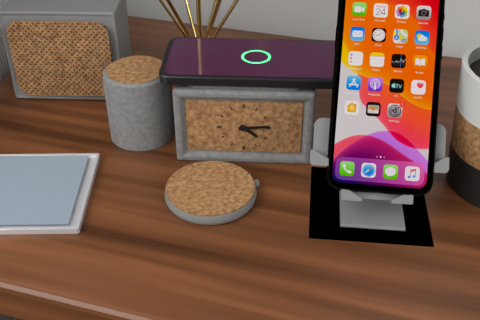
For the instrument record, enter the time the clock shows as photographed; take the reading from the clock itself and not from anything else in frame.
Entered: 4:14
